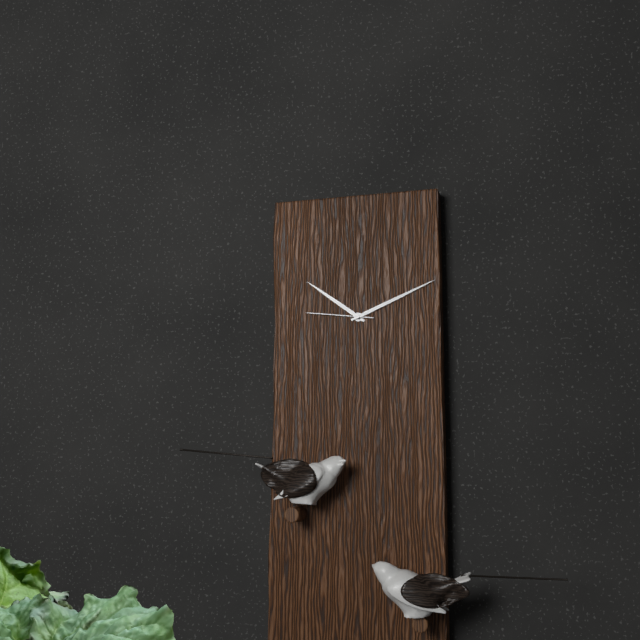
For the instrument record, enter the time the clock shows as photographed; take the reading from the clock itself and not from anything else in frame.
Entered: 10:11:46
